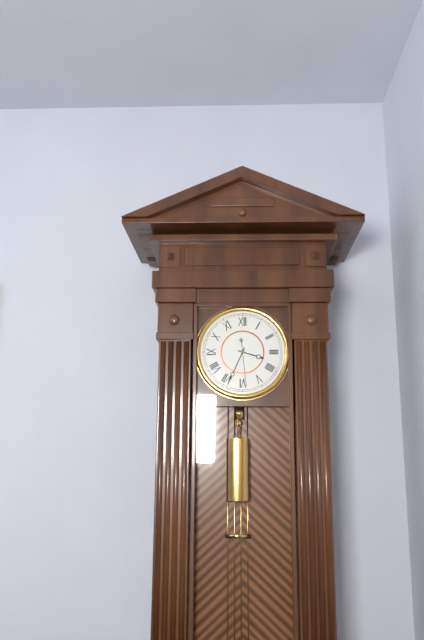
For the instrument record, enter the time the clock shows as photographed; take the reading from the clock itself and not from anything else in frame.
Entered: 3:34
